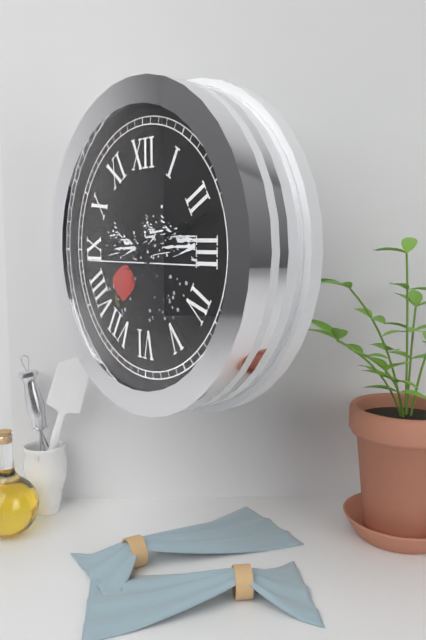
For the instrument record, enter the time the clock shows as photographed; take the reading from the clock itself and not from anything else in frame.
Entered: 10:12:23
